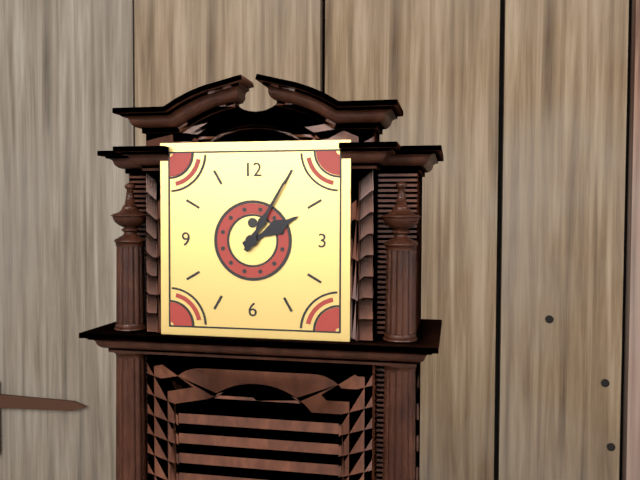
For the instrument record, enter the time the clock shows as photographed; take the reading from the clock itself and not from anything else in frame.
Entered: 2:05
